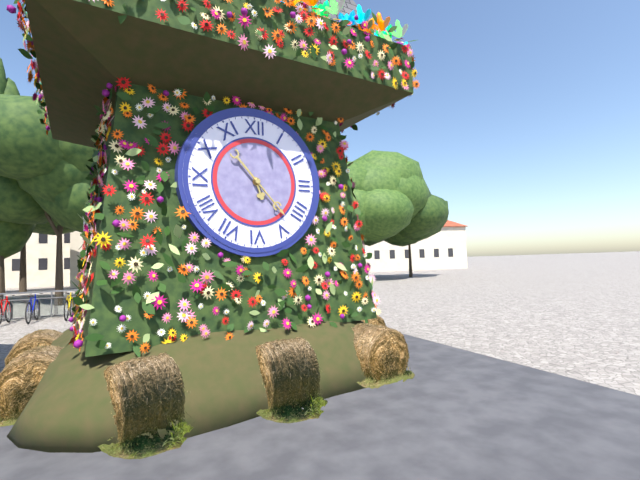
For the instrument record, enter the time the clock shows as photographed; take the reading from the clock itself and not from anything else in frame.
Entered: 5:23
